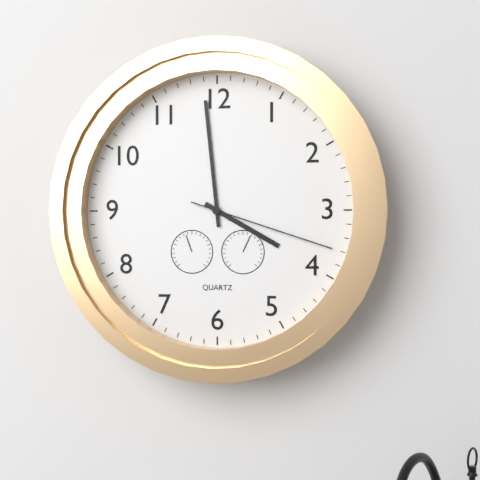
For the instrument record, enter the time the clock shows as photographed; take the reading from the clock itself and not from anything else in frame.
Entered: 3:59:18
